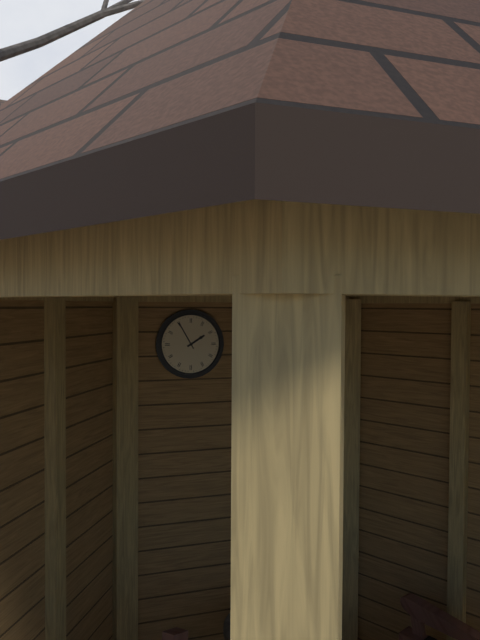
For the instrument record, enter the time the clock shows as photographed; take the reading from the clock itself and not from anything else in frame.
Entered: 1:55
